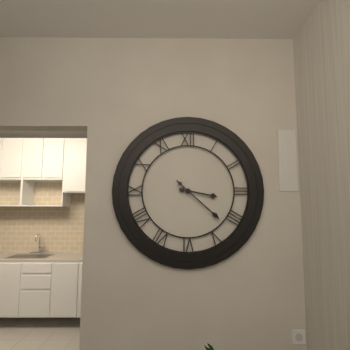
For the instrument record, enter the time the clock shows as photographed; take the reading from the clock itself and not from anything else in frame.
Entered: 3:22
